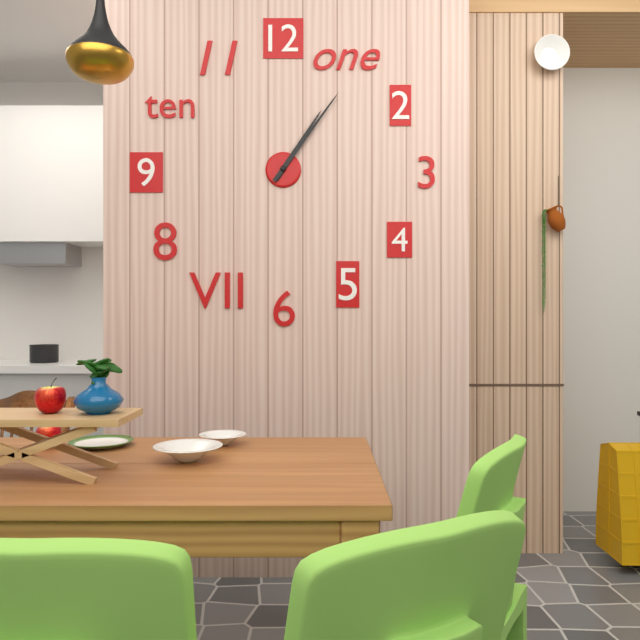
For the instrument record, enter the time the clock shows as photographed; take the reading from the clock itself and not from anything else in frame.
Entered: 1:06
